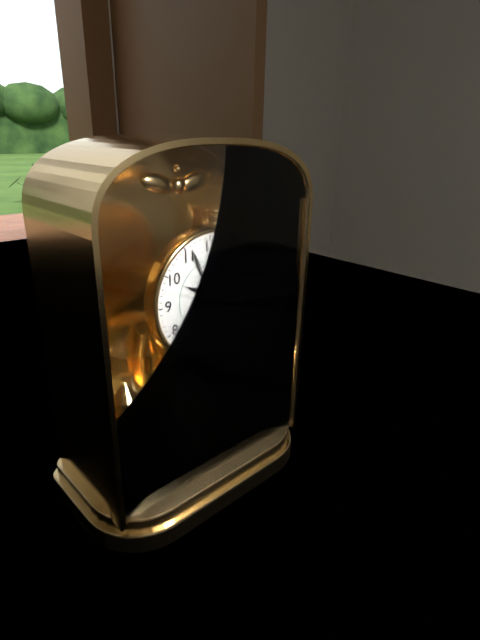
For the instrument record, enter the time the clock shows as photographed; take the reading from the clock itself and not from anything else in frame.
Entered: 9:56
